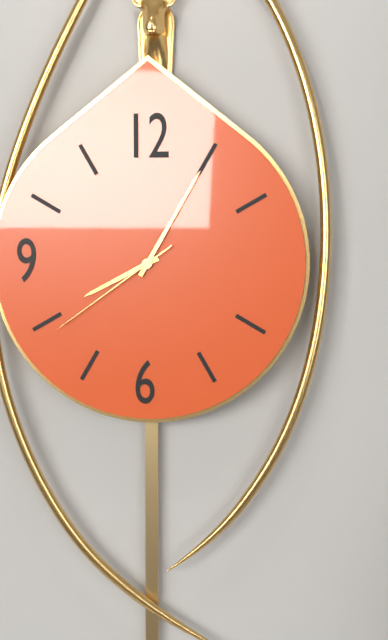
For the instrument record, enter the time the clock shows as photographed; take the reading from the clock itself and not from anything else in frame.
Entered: 8:05:39
